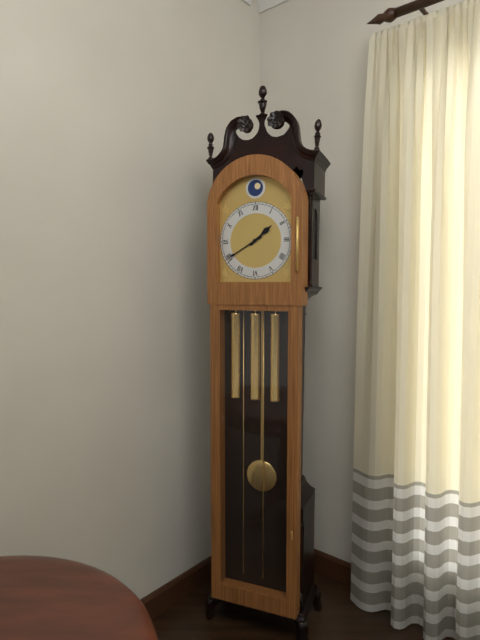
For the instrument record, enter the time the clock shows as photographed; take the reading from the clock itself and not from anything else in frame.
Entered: 1:40
